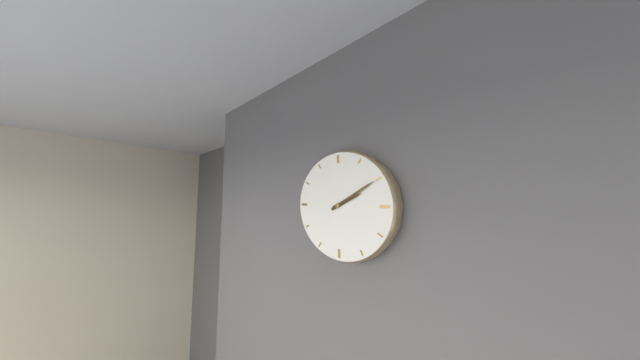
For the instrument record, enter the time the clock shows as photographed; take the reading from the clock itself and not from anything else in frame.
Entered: 2:10
